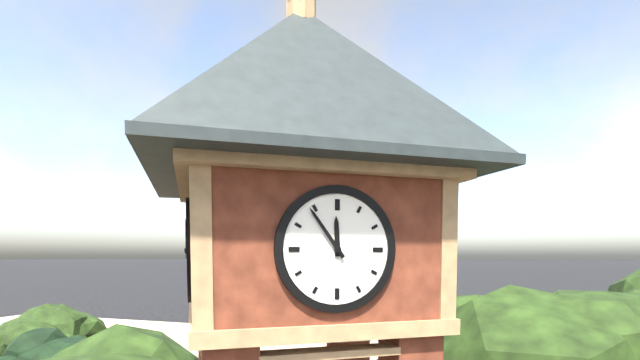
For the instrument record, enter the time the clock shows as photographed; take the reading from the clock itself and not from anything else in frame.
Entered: 11:54
